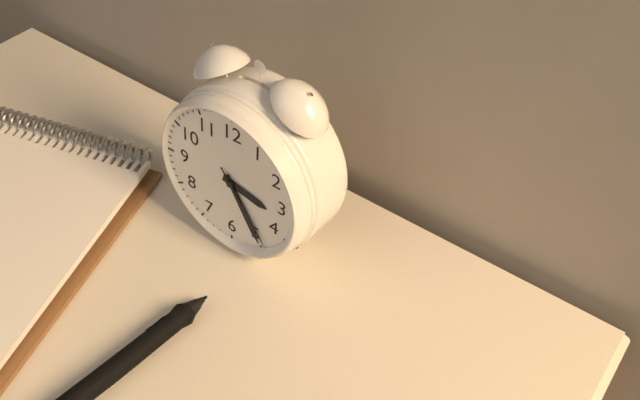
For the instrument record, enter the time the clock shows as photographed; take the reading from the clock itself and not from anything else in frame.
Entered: 3:25:24
